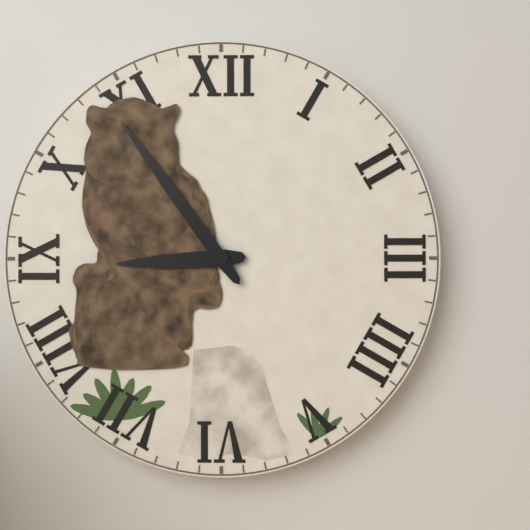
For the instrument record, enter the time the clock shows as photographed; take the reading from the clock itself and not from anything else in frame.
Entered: 8:54
